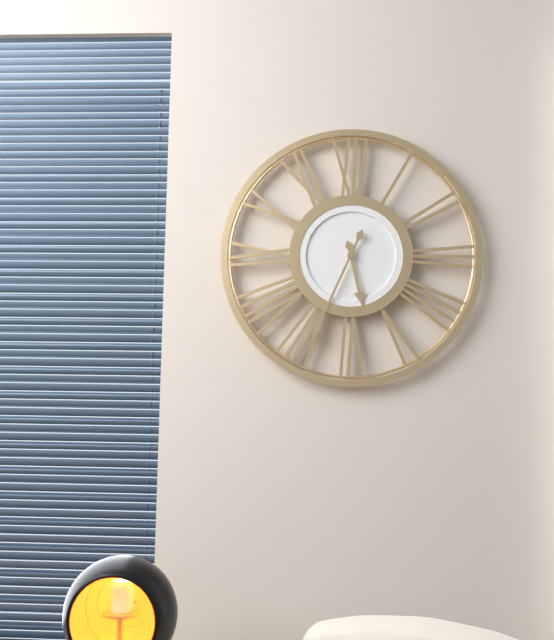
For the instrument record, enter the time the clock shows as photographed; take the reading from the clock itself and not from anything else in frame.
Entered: 5:34
